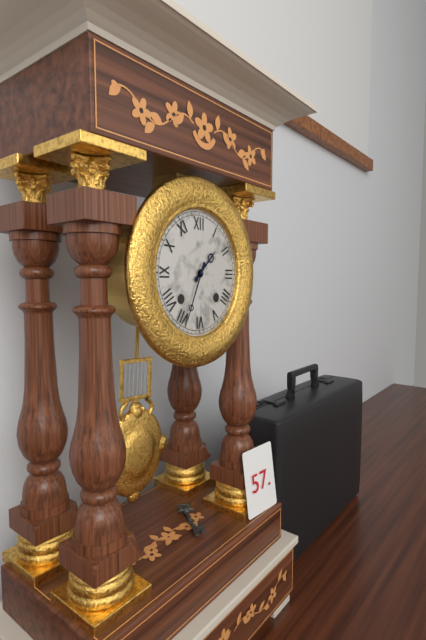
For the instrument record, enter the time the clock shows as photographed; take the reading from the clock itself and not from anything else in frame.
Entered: 1:34
